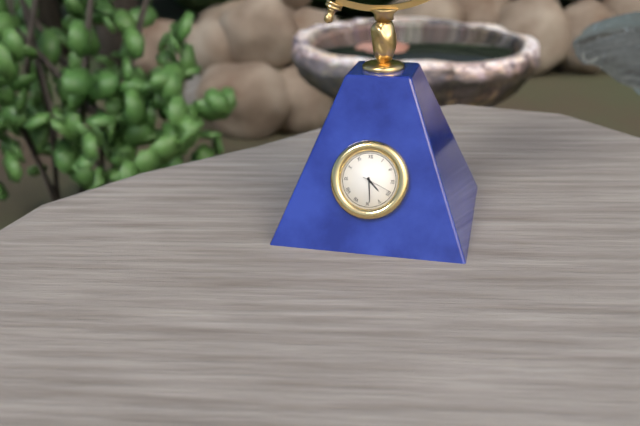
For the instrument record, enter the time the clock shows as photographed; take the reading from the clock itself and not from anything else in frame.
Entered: 4:29
